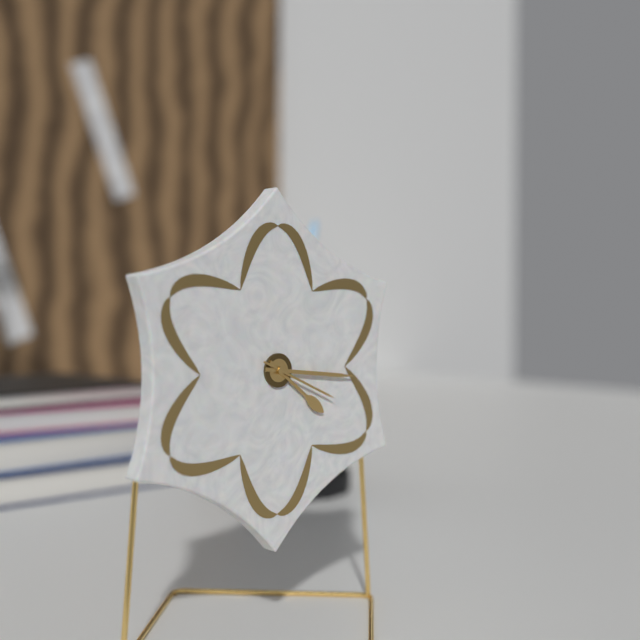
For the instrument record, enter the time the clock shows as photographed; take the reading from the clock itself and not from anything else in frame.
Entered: 4:16:19
